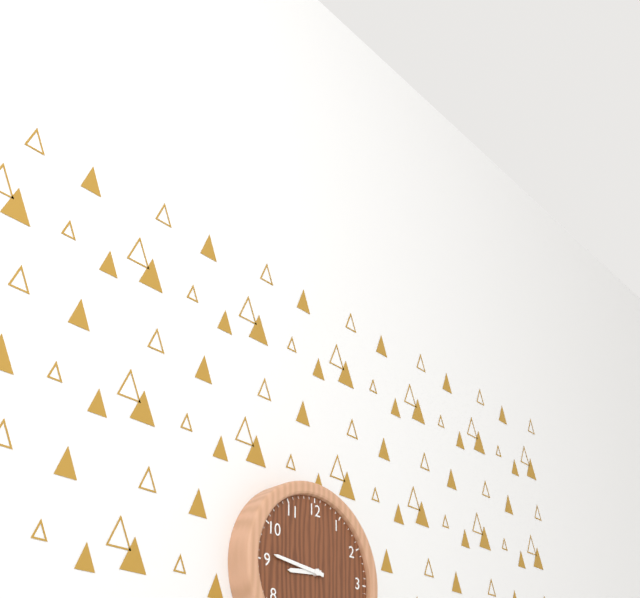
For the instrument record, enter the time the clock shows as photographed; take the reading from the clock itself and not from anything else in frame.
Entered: 8:46
